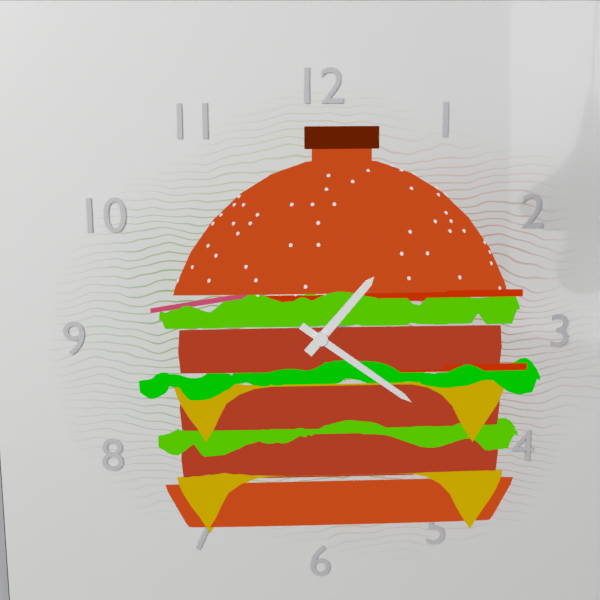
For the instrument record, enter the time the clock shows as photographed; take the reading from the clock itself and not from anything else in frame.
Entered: 1:21
